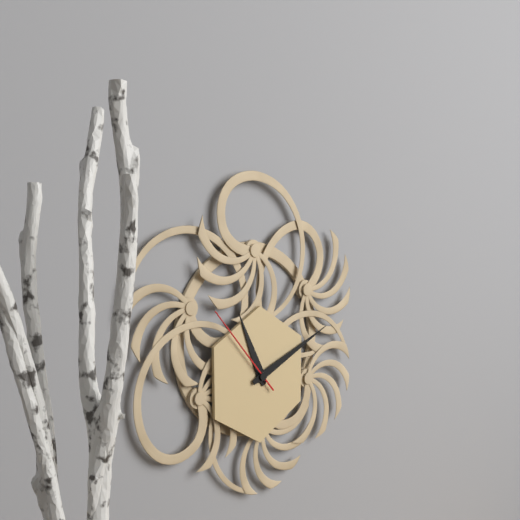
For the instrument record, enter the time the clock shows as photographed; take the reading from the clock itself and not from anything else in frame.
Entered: 11:11:53
